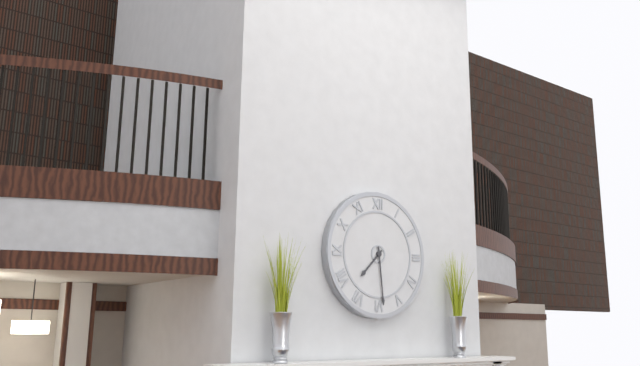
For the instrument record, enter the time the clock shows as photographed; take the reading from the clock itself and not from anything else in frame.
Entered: 7:29
